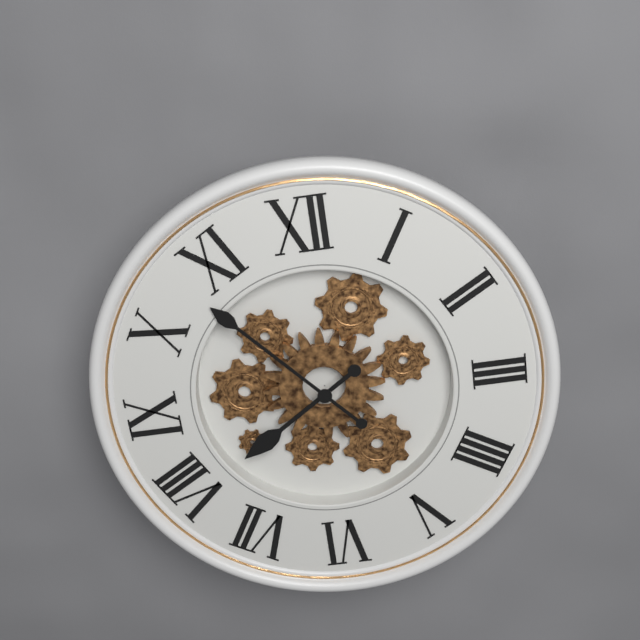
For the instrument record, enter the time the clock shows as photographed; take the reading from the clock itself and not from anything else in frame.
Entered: 7:53
